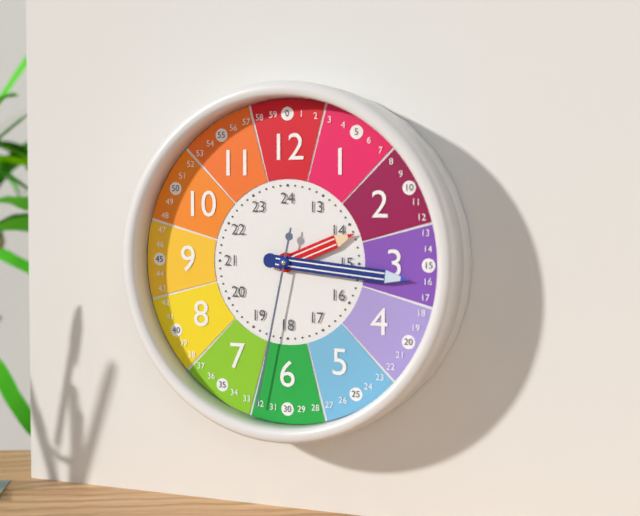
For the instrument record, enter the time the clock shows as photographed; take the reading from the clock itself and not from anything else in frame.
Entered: 2:16:32
